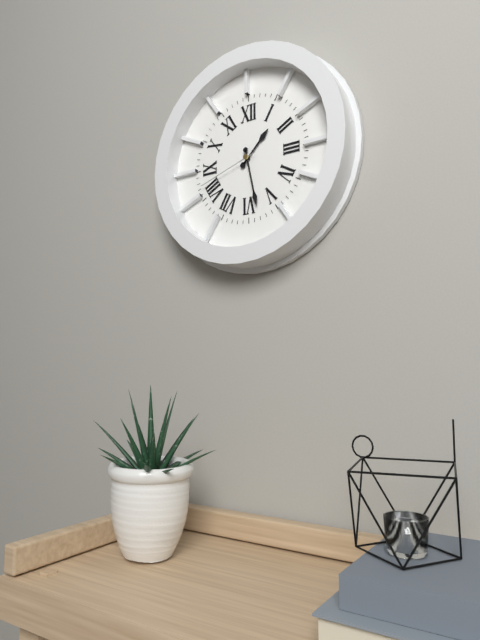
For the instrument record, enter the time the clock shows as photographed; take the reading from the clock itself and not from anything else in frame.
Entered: 1:28:42
